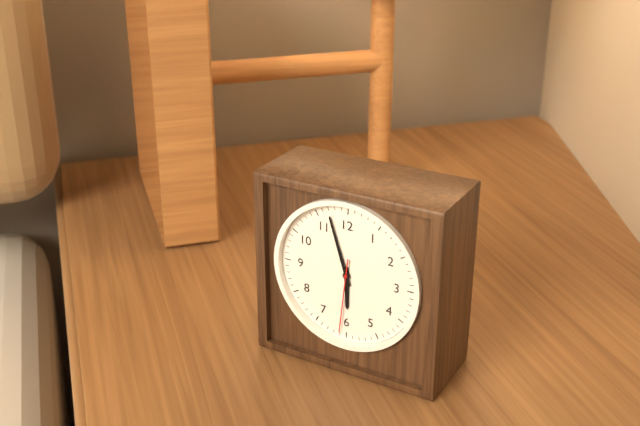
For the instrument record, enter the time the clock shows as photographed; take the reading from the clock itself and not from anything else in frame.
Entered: 5:57:31
